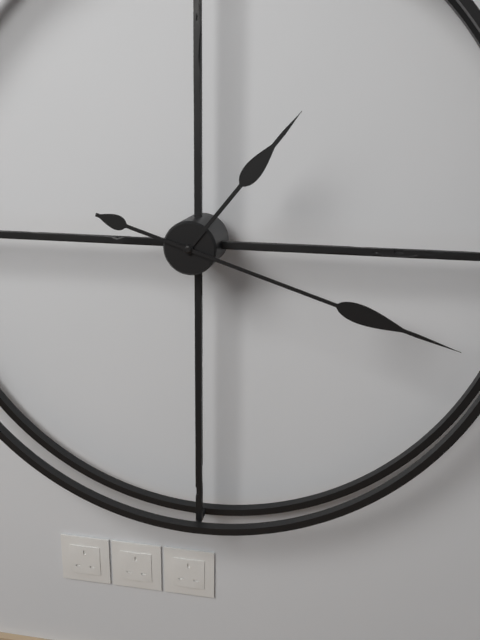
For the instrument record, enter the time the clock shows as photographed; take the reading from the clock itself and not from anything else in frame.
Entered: 1:18
